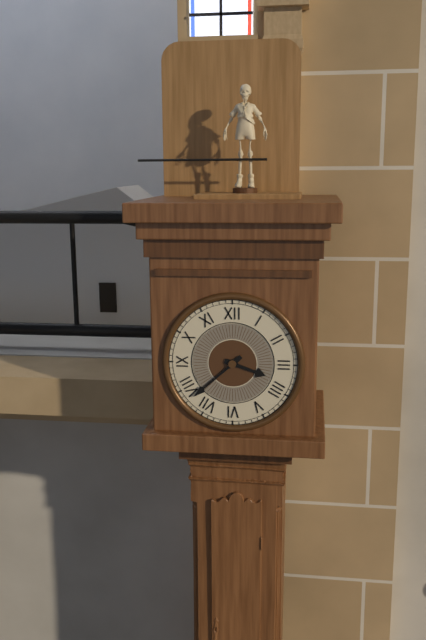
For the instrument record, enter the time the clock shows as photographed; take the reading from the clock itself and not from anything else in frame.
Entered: 3:38
